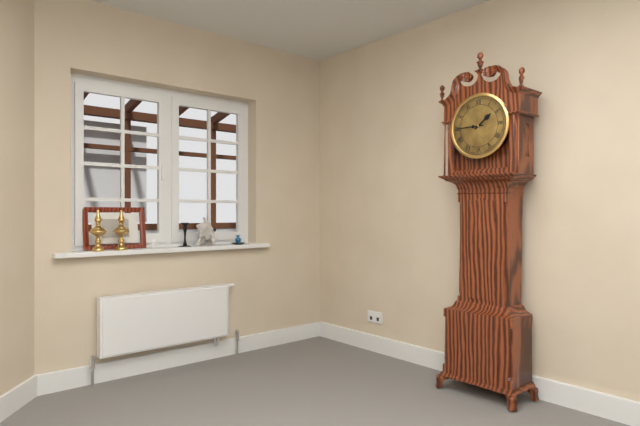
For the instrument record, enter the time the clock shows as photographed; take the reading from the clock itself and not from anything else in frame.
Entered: 1:45
